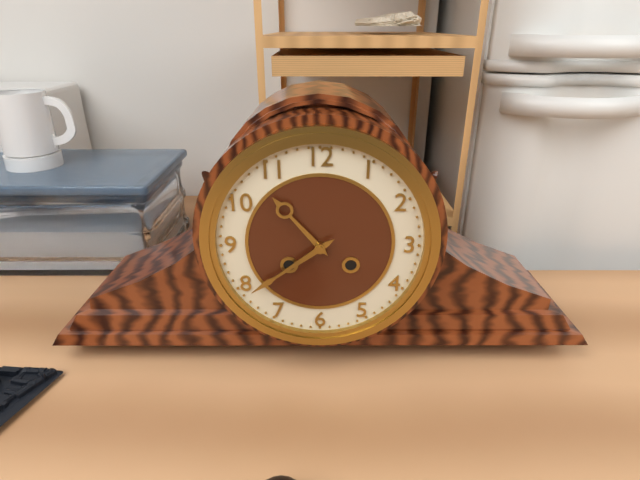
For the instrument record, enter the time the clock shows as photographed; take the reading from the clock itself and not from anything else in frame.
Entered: 10:39
